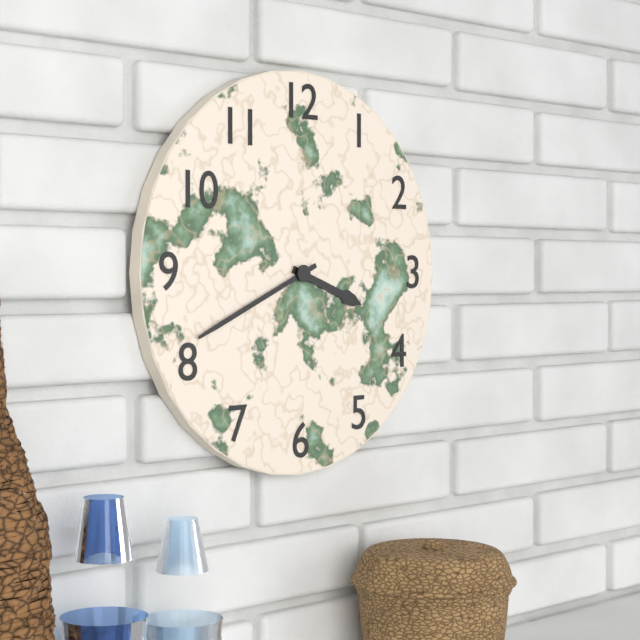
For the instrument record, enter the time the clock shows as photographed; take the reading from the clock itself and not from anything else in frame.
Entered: 3:41
